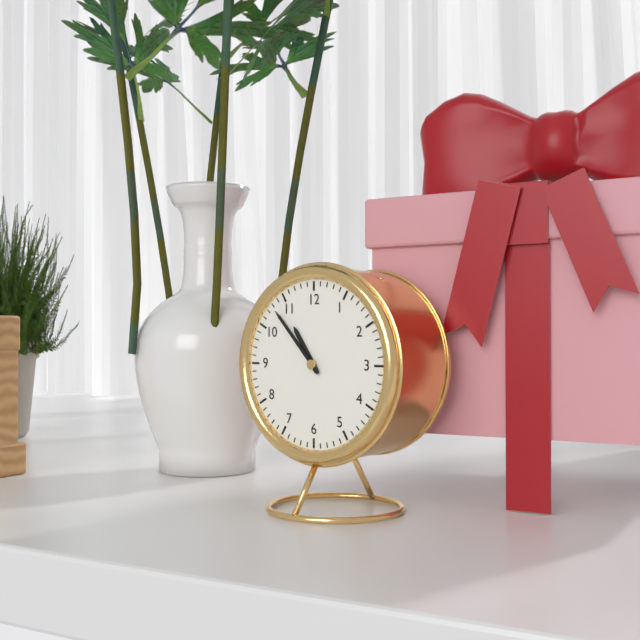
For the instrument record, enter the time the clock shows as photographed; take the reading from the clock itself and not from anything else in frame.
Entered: 10:53
